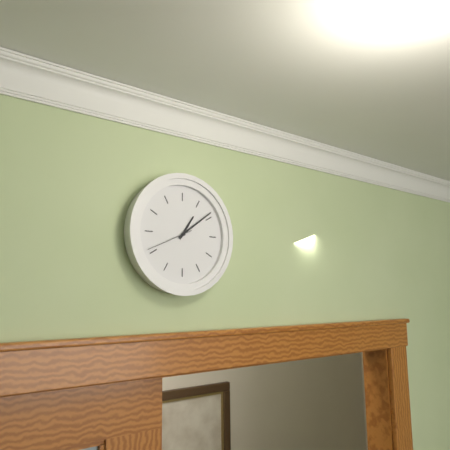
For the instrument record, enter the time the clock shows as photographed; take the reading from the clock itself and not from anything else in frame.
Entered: 1:09
